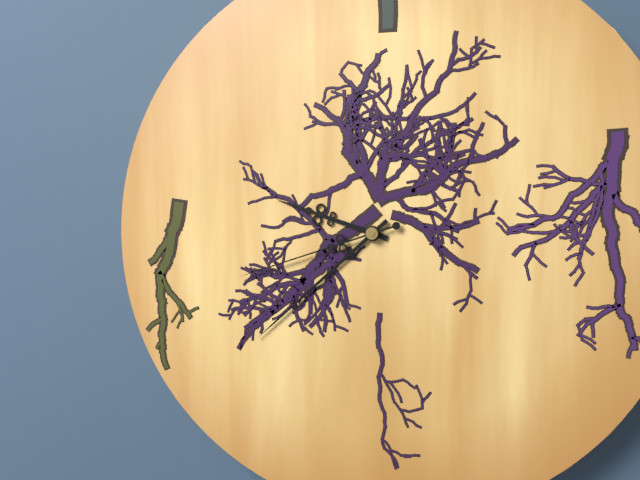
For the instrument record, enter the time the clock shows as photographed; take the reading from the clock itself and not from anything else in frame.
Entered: 9:38:42
